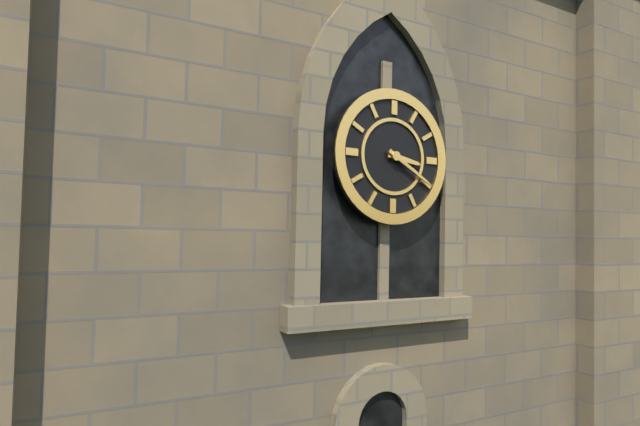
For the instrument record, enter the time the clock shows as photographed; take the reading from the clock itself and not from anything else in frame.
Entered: 3:20
